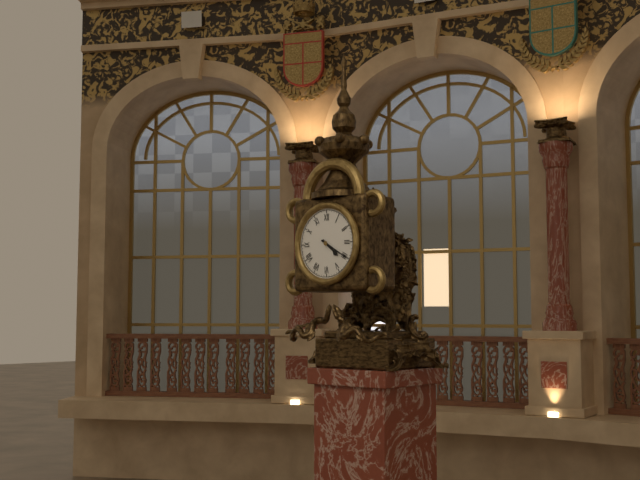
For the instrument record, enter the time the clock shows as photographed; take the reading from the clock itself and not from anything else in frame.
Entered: 4:20
